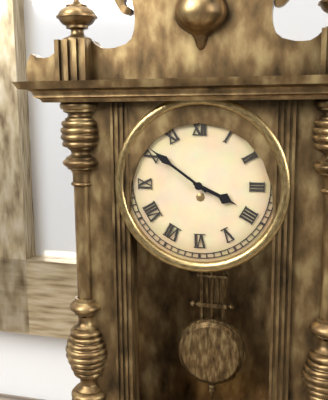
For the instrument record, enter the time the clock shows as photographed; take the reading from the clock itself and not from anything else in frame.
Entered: 3:51
